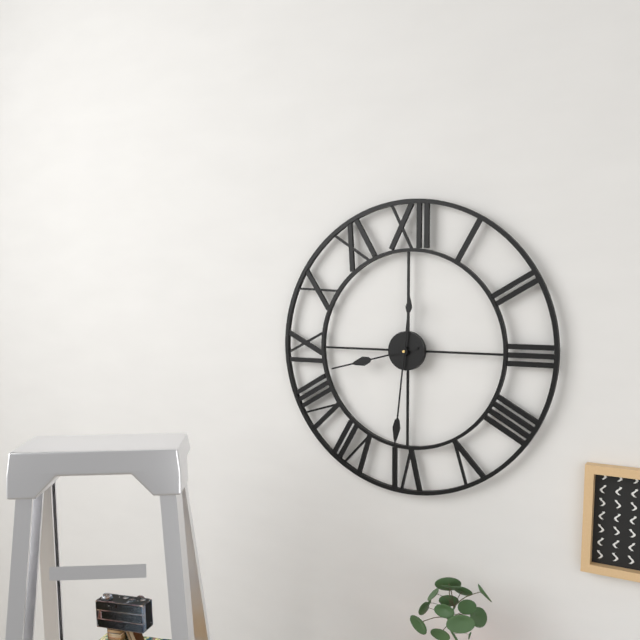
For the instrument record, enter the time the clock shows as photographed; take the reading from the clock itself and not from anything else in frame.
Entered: 8:31
